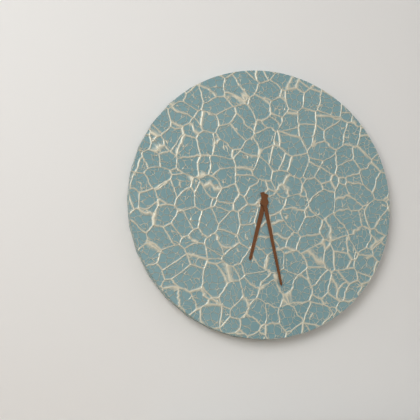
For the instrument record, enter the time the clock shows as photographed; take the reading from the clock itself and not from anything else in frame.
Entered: 6:28
